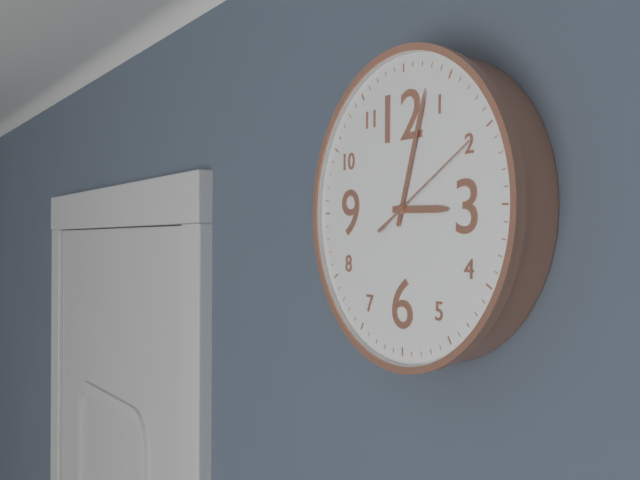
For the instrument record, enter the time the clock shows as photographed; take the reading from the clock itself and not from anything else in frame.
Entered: 3:03:10
